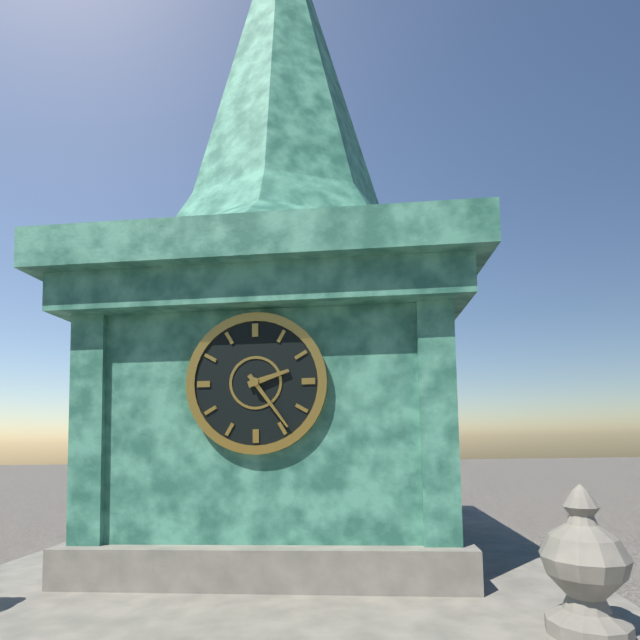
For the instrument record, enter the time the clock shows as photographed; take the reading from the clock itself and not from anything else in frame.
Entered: 2:24
